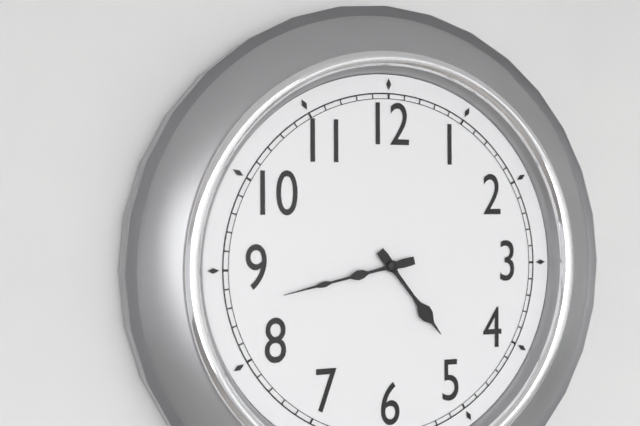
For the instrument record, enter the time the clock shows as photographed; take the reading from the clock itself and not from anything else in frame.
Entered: 4:43
